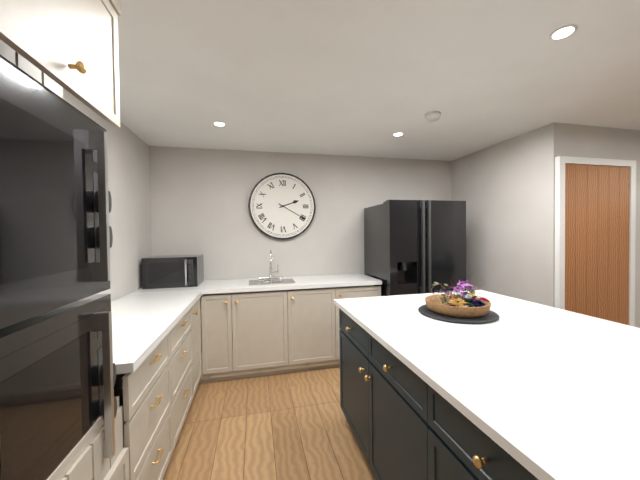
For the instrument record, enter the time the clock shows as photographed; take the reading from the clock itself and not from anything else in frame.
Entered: 2:20
